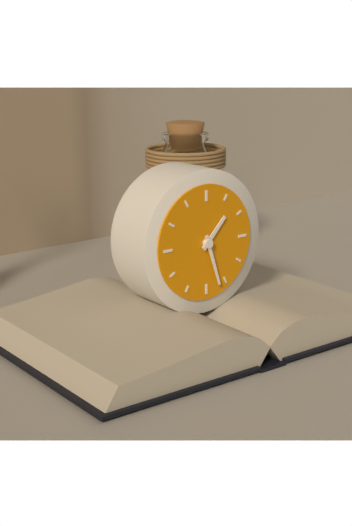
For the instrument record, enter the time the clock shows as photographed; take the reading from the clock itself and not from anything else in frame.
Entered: 1:27
